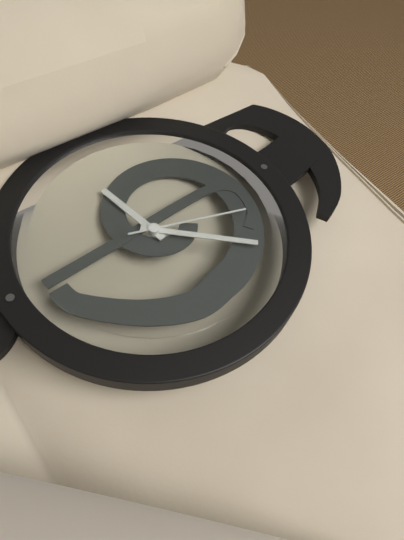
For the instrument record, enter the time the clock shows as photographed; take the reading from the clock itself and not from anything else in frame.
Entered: 2:37:33
